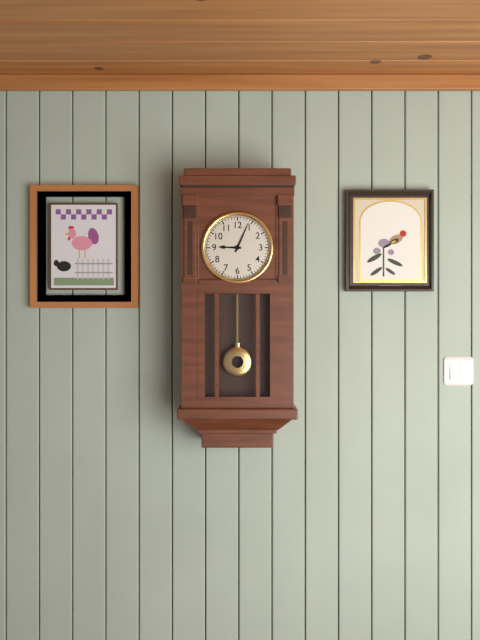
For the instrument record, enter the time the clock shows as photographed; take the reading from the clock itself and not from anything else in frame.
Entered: 9:04
